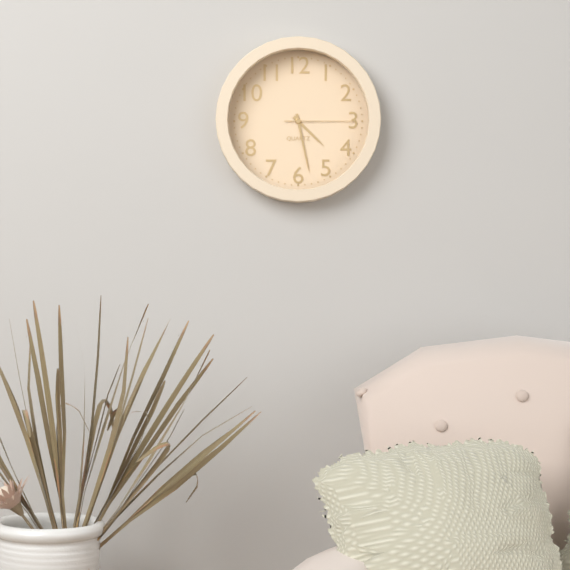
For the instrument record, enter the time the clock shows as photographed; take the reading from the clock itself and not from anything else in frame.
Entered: 4:28:15
